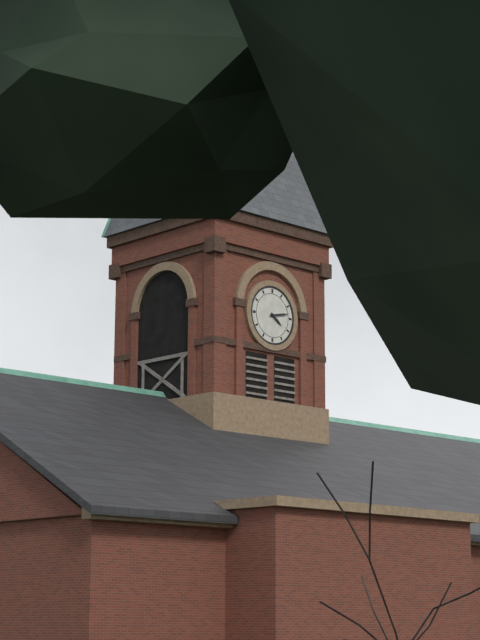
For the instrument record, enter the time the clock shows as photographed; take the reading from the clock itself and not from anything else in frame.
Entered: 4:13
